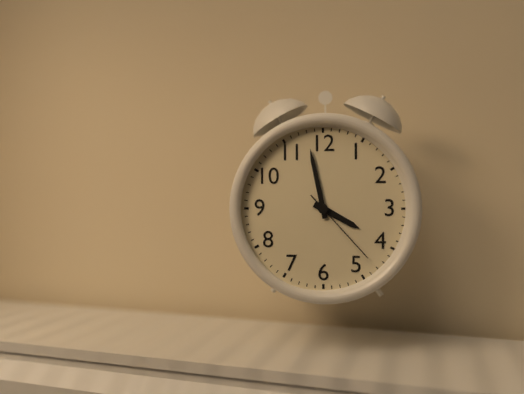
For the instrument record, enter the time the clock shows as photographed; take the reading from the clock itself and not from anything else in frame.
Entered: 3:58:23
